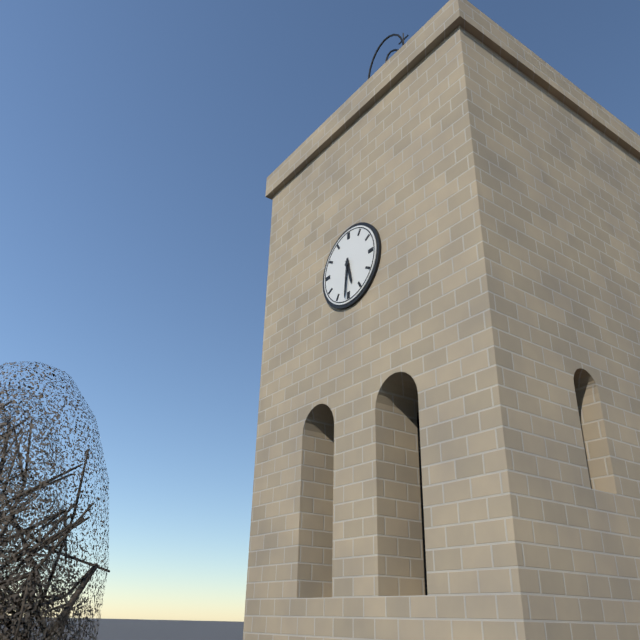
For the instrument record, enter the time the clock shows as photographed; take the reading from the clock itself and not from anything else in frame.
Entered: 5:31
